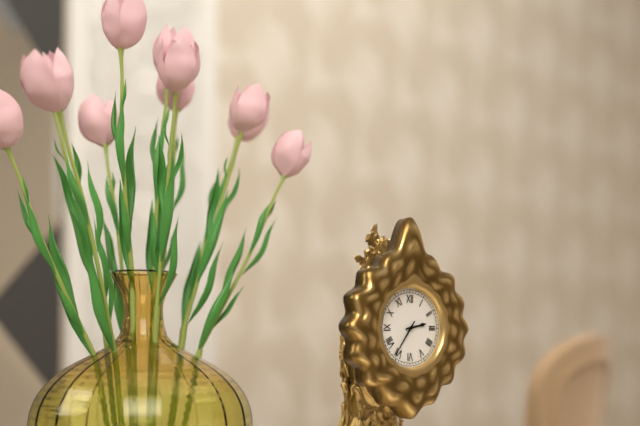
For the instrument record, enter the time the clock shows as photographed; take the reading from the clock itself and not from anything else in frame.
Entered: 2:36
